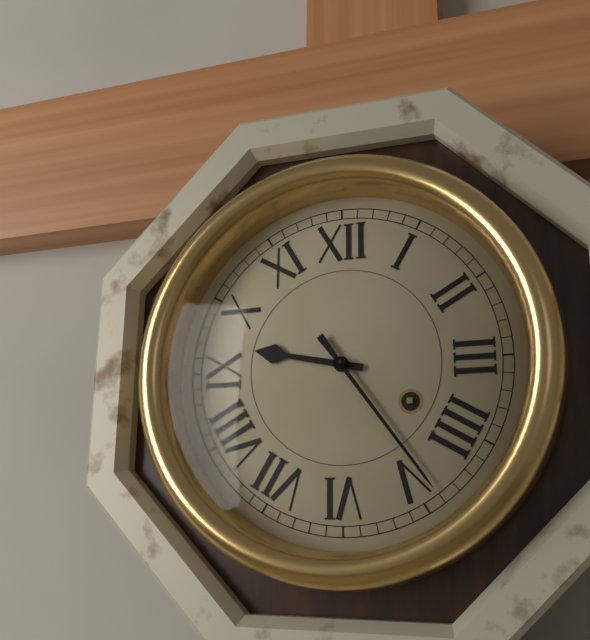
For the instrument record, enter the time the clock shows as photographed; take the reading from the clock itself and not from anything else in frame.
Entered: 9:24
